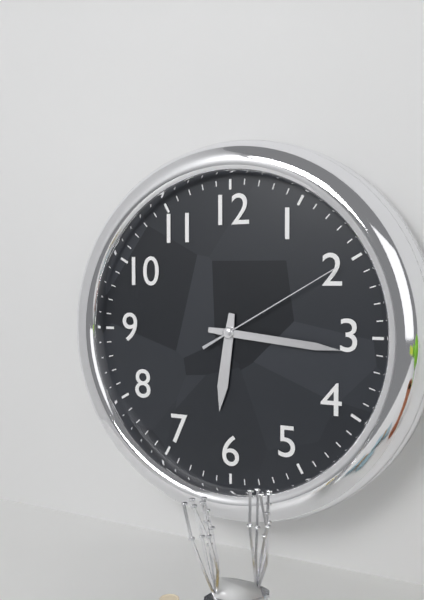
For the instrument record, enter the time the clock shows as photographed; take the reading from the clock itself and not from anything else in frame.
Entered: 6:16:10
